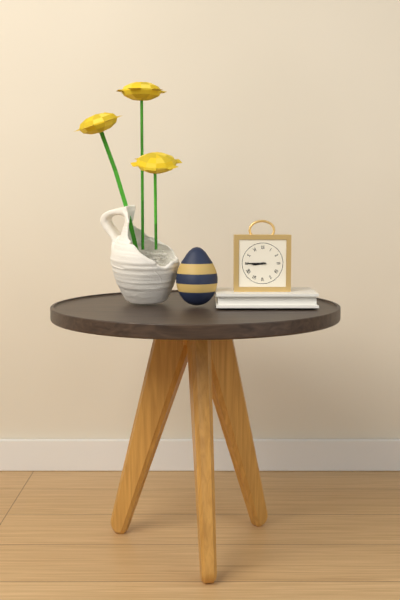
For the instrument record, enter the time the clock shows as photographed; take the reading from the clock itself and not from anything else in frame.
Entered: 8:45
